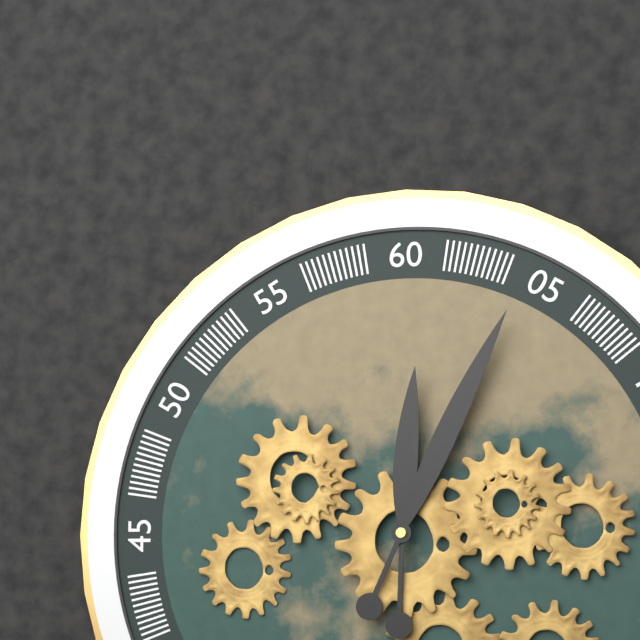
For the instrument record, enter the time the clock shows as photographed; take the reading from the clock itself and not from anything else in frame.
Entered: 12:04
